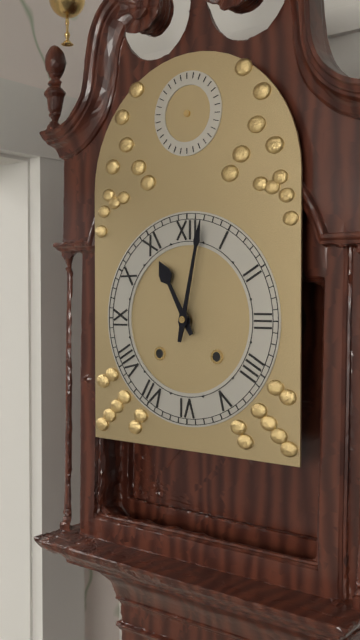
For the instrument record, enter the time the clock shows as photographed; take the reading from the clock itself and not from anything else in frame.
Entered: 11:02
